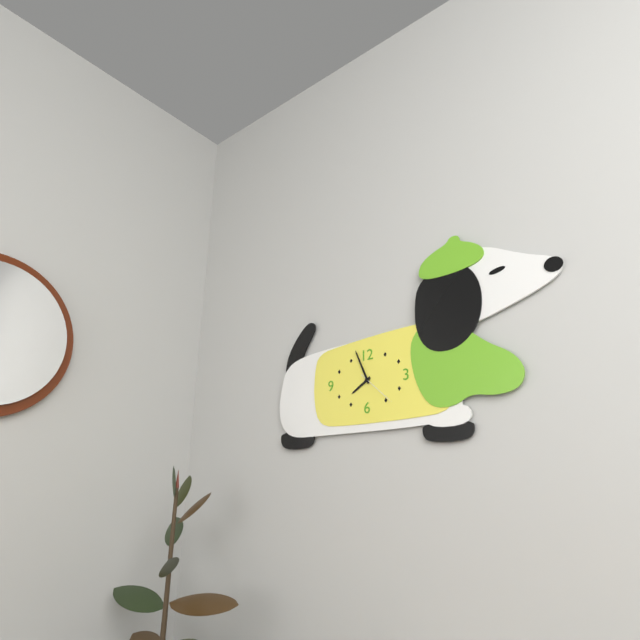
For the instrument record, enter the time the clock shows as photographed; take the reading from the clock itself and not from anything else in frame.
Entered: 7:56
